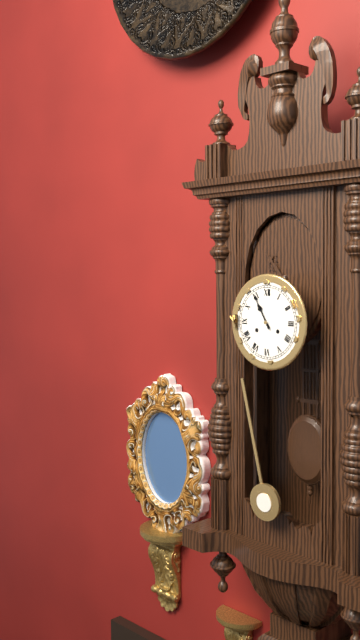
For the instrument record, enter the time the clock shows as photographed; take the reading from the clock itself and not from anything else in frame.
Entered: 10:55
